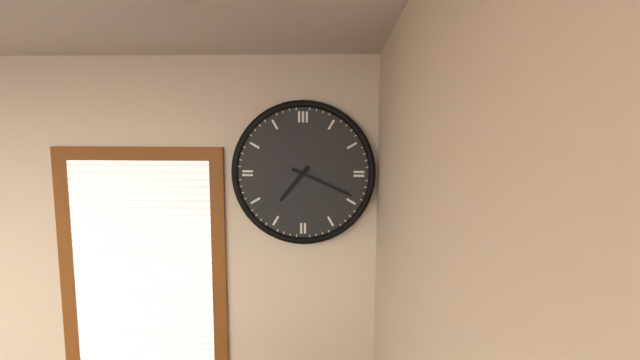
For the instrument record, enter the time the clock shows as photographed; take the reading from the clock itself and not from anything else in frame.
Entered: 7:19
